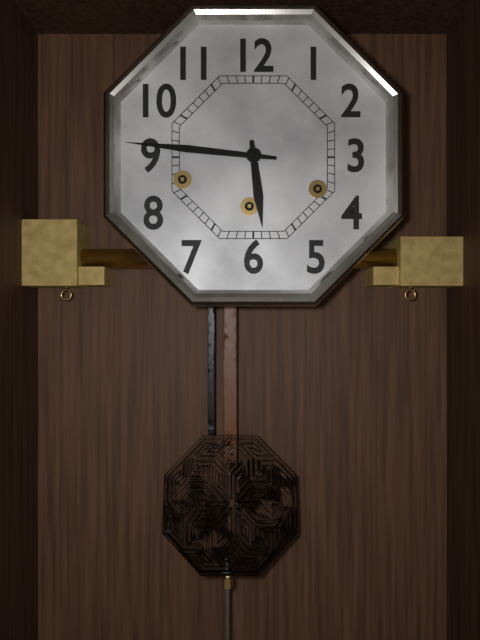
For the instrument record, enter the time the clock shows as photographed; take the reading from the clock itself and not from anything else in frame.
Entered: 5:46
